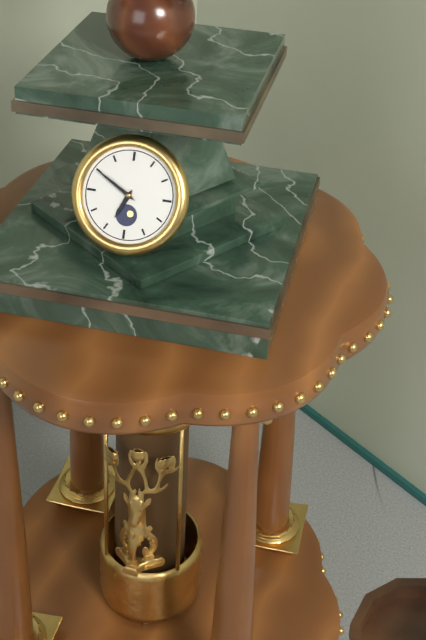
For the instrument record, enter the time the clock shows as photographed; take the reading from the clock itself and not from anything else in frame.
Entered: 6:50
